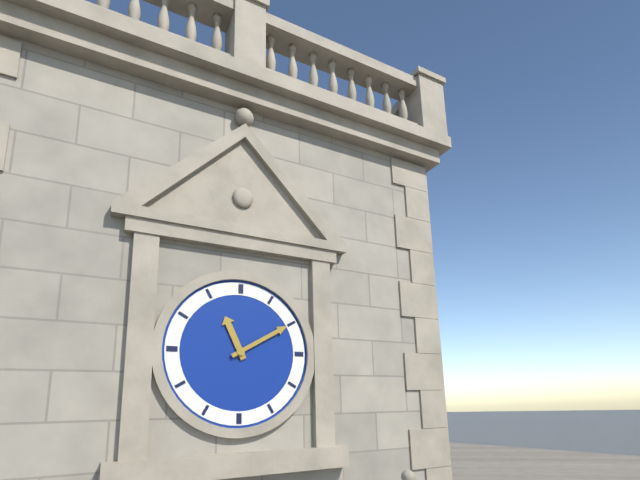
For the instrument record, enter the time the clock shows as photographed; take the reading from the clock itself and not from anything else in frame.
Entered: 11:10
